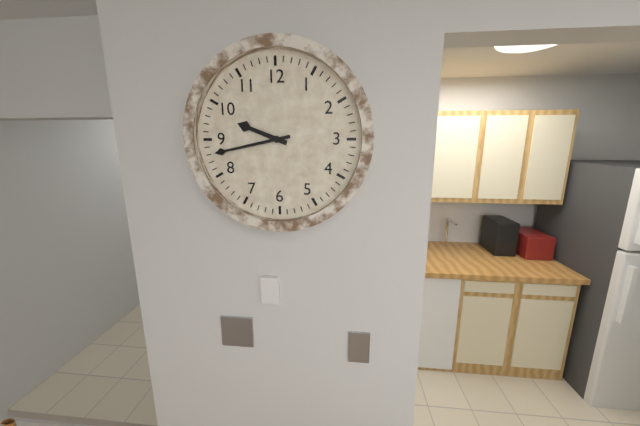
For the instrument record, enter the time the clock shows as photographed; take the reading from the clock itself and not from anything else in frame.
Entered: 9:43
